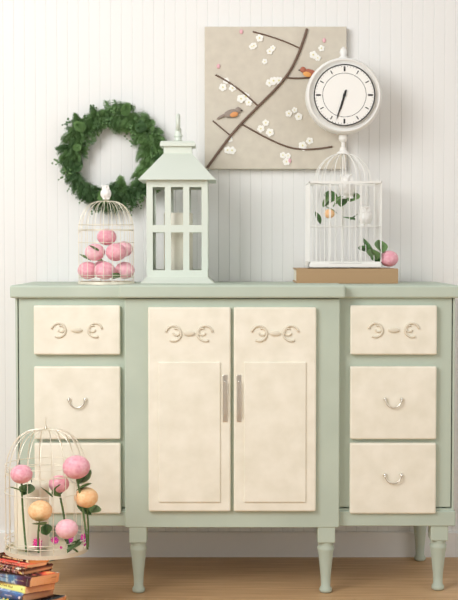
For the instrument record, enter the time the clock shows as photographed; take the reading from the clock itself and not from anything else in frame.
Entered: 6:33
